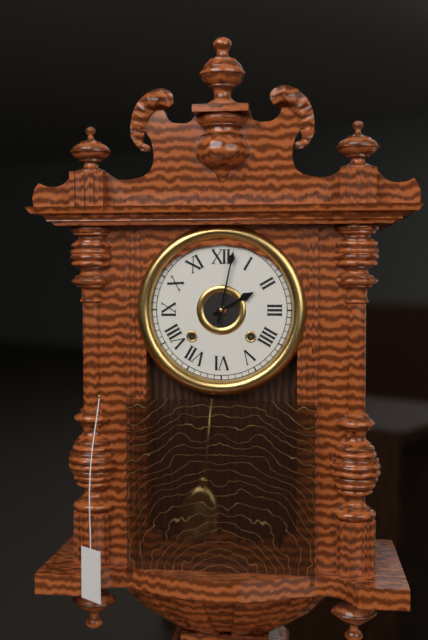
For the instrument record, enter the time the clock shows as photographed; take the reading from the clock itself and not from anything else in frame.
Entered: 2:02
